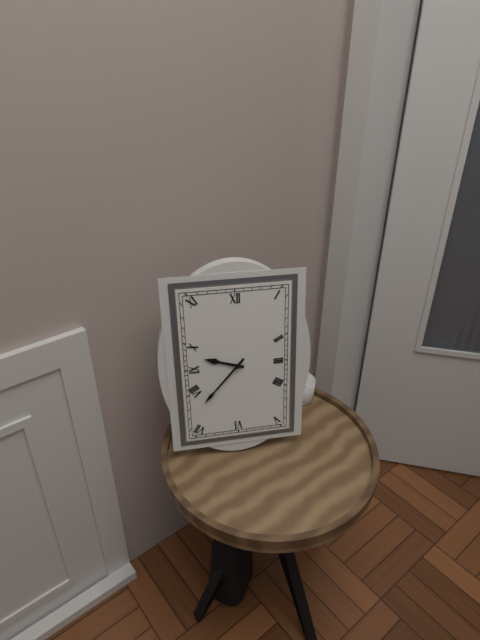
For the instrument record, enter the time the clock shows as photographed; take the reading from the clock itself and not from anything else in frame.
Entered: 9:37
